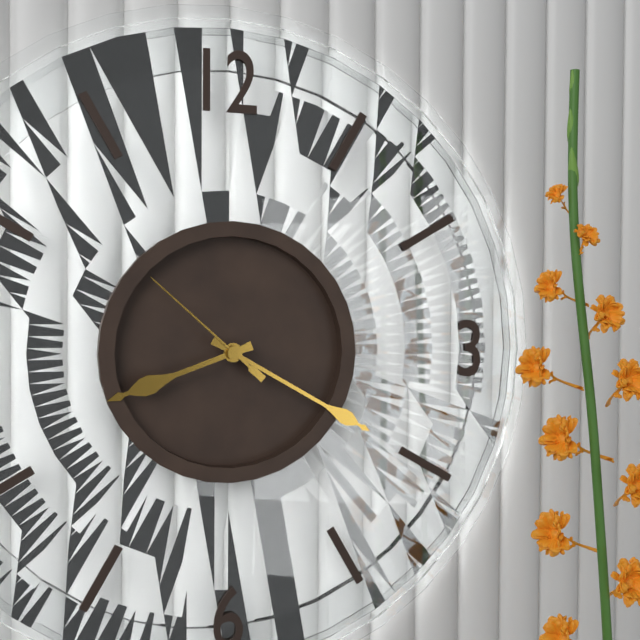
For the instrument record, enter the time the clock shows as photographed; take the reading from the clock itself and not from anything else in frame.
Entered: 8:20:52
